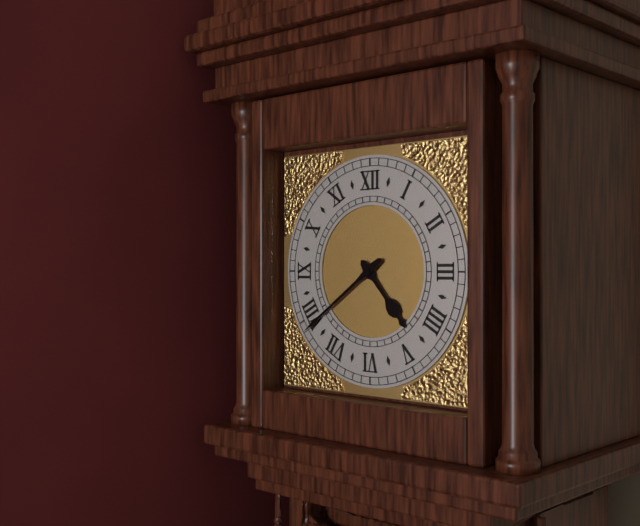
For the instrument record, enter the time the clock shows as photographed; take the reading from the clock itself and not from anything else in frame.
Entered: 4:39
